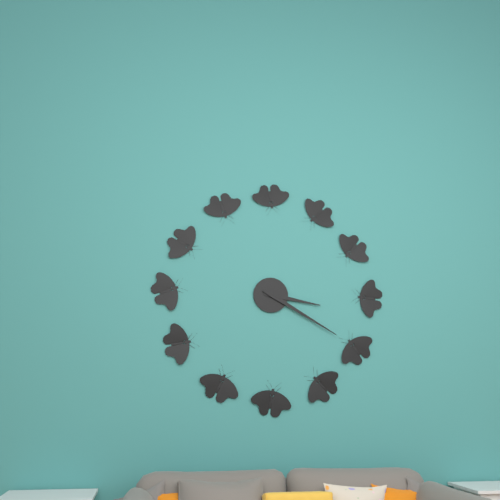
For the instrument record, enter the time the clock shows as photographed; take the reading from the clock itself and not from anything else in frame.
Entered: 3:20
